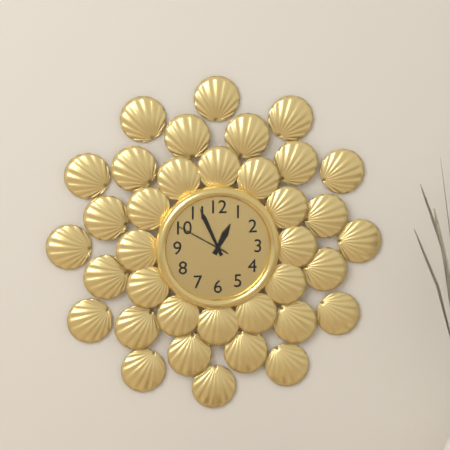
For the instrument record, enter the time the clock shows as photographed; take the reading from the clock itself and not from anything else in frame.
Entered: 12:56:50
